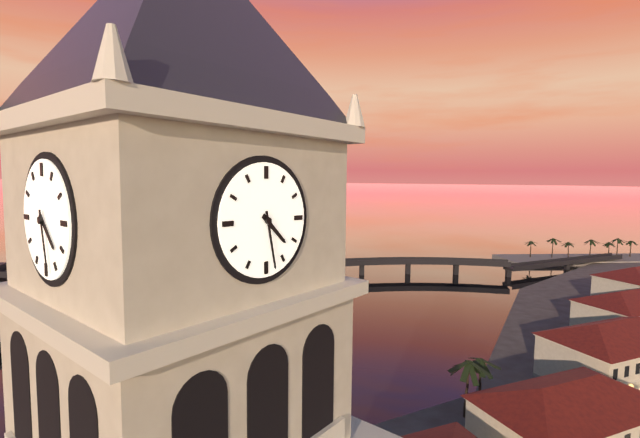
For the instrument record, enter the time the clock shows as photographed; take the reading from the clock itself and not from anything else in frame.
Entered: 4:28
